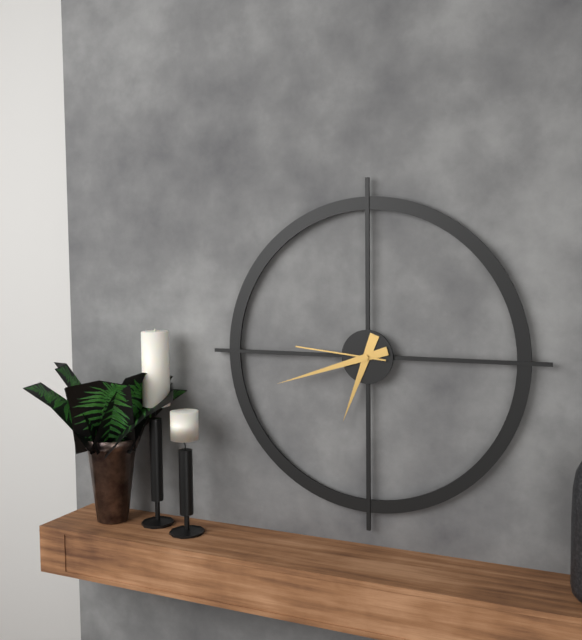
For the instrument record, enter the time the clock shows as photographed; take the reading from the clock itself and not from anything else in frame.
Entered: 6:42:46
